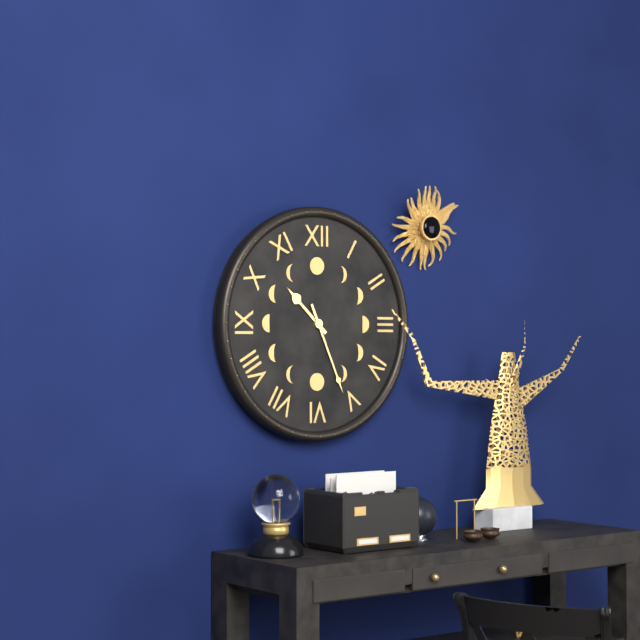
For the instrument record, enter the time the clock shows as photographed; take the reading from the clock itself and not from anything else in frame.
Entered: 10:26
